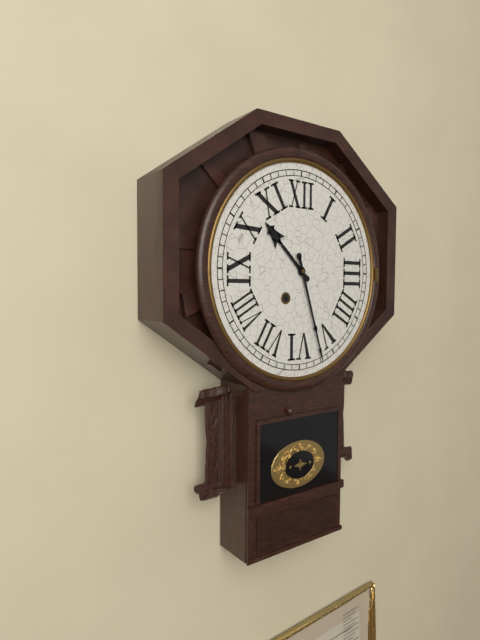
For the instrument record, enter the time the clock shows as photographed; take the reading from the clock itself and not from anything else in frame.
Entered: 10:27
